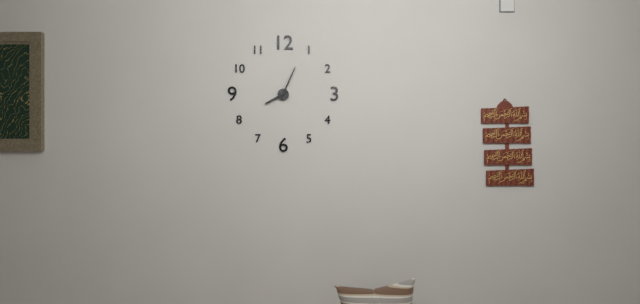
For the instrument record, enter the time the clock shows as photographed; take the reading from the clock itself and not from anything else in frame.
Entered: 8:04
